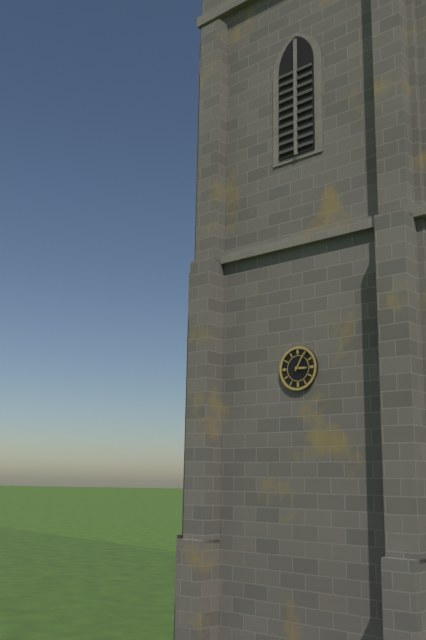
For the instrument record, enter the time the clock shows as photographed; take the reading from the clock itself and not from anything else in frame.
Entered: 3:05
